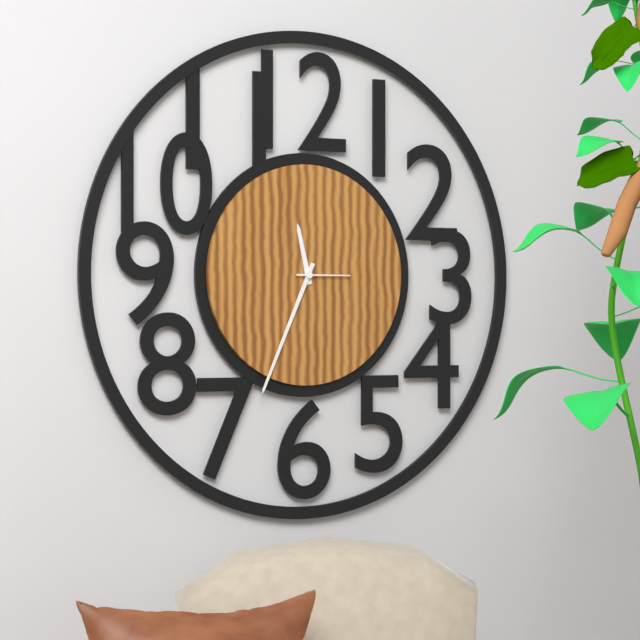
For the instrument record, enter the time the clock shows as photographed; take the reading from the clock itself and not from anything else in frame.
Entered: 11:34:15
